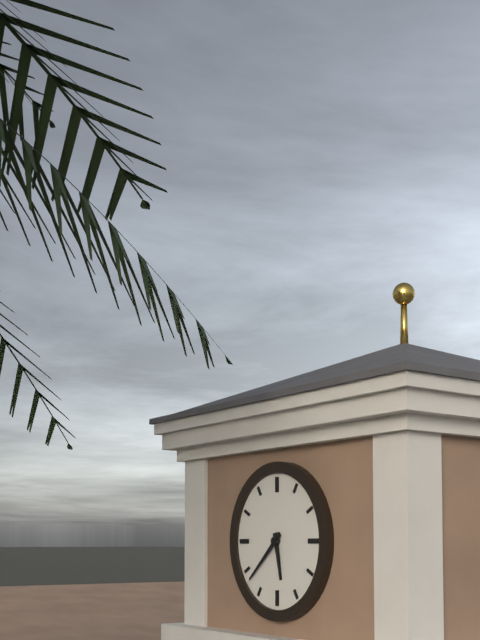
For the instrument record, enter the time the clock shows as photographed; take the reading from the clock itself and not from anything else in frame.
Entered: 5:38
